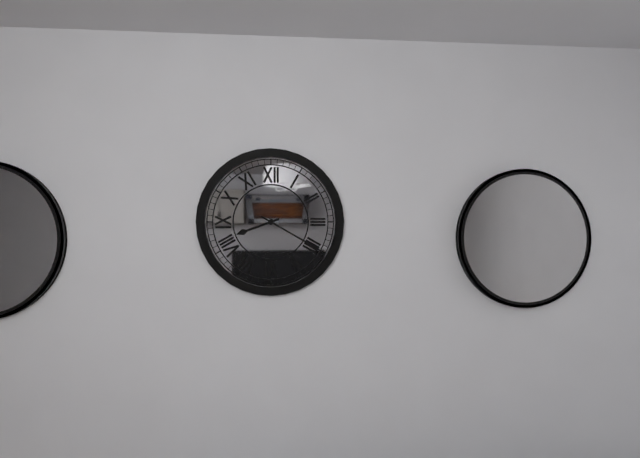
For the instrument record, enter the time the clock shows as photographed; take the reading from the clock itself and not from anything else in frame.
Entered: 8:20
